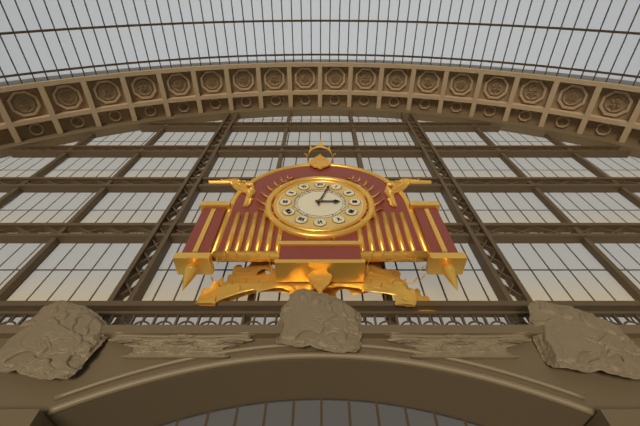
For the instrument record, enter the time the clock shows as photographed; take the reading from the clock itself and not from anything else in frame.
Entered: 3:03
